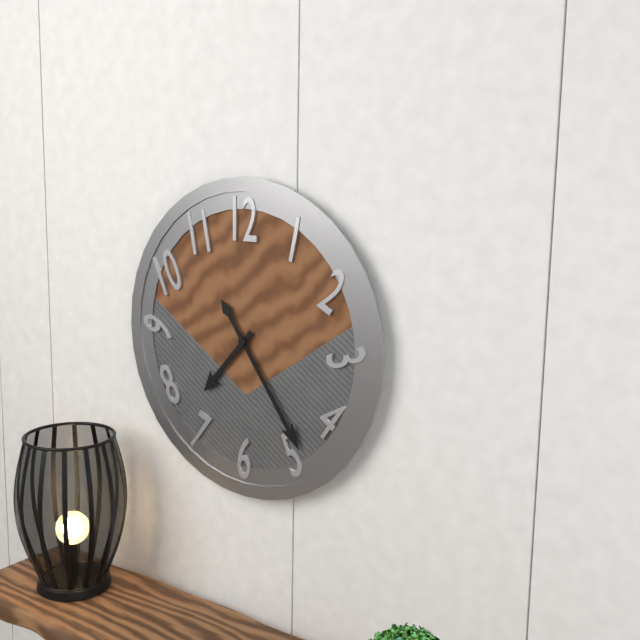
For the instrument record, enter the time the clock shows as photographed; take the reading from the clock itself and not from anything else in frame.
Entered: 7:24
